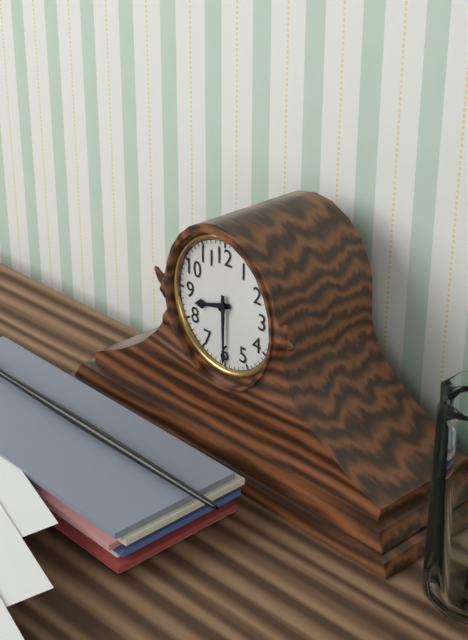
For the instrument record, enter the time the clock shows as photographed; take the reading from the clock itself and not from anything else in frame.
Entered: 8:30
